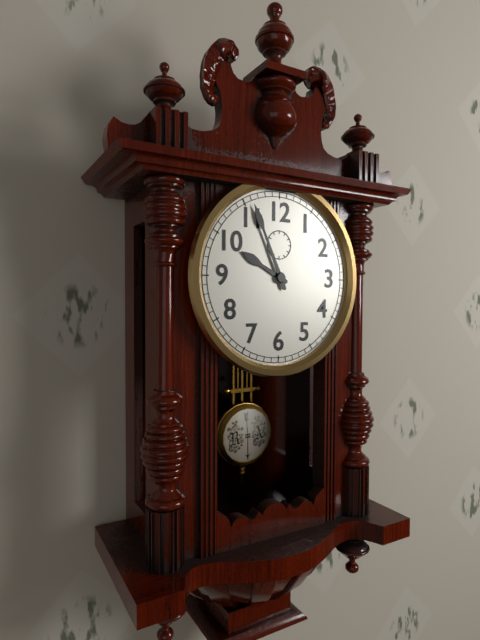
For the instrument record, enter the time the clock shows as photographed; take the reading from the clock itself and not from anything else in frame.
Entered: 9:56
